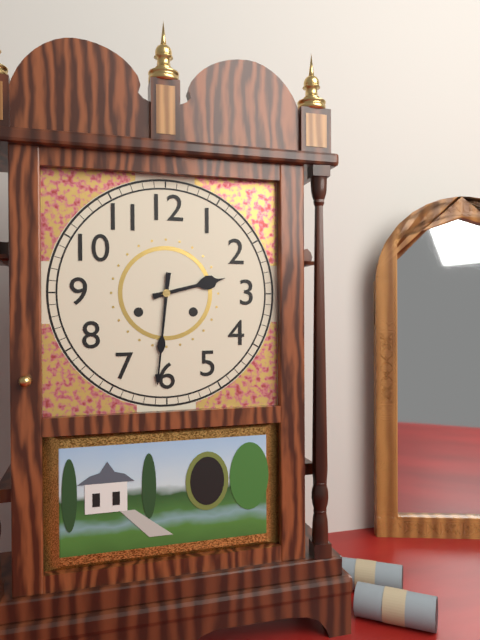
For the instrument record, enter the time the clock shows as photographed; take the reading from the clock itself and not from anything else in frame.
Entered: 2:31
